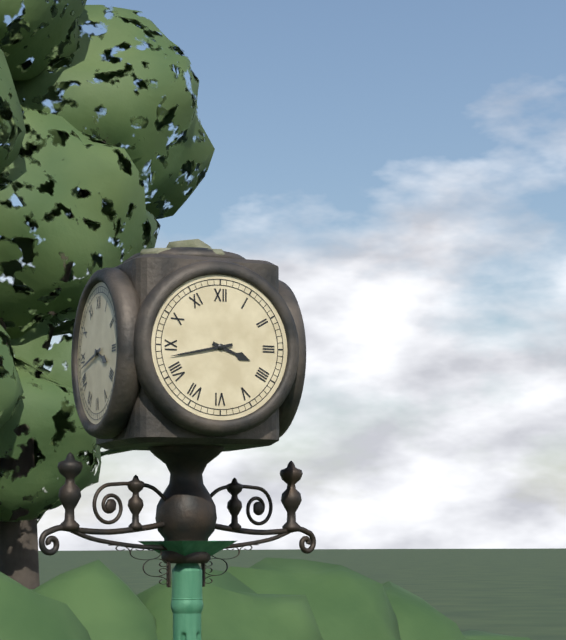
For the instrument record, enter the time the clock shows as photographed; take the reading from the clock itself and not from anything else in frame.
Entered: 3:43
